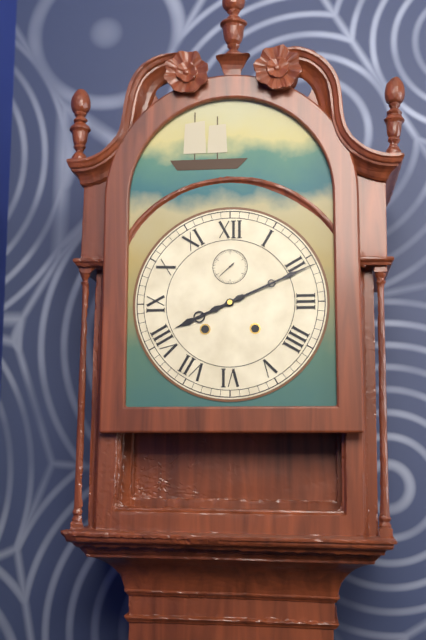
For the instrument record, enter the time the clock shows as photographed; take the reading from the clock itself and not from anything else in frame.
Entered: 8:11
